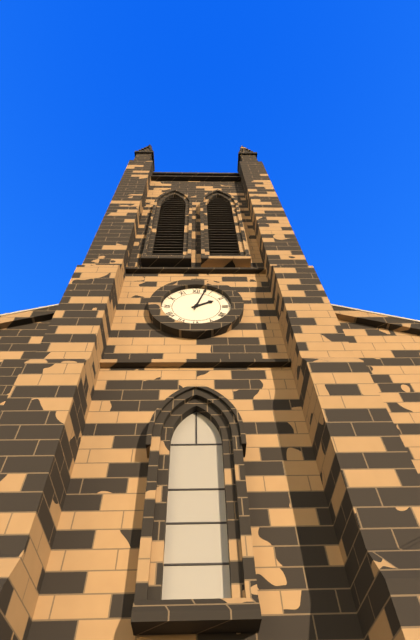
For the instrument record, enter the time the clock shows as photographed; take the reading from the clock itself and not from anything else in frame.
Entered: 2:03
